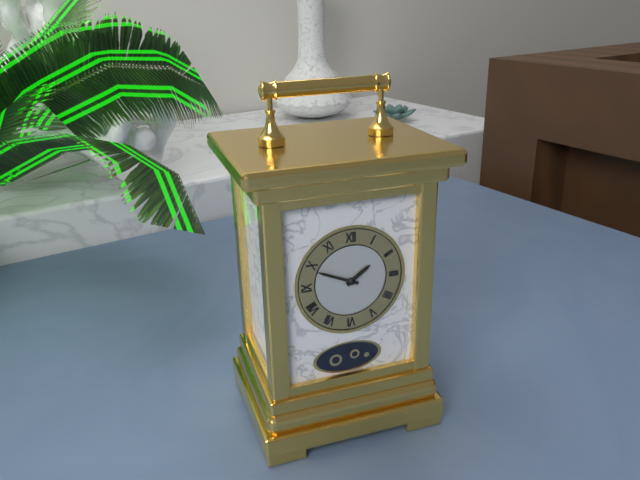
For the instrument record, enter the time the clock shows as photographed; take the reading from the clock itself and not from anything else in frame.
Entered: 1:49
